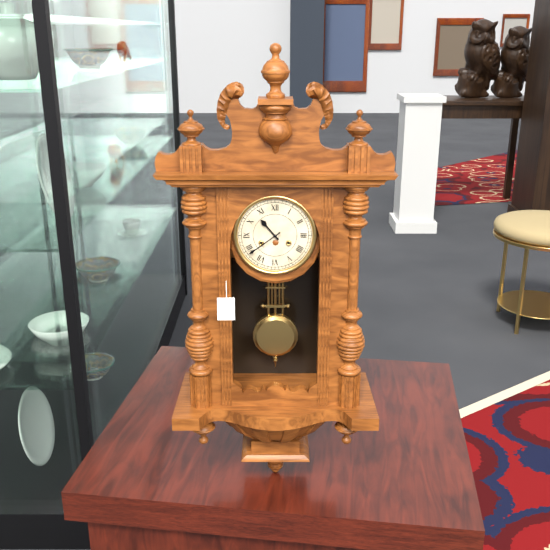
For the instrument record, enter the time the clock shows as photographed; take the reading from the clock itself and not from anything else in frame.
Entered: 10:39
